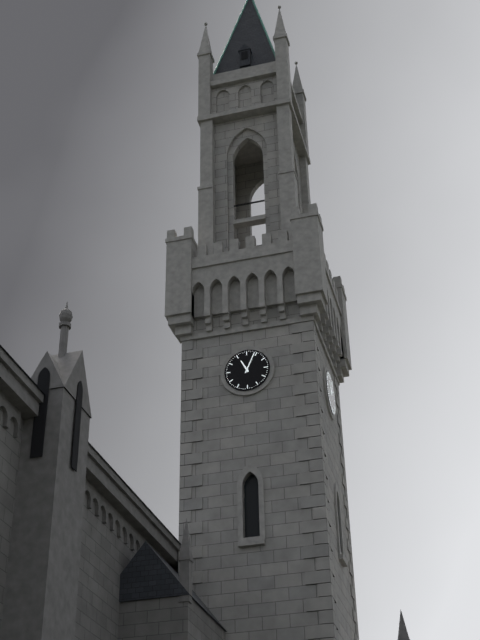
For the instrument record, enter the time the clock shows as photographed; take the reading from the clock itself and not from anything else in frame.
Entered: 11:04
